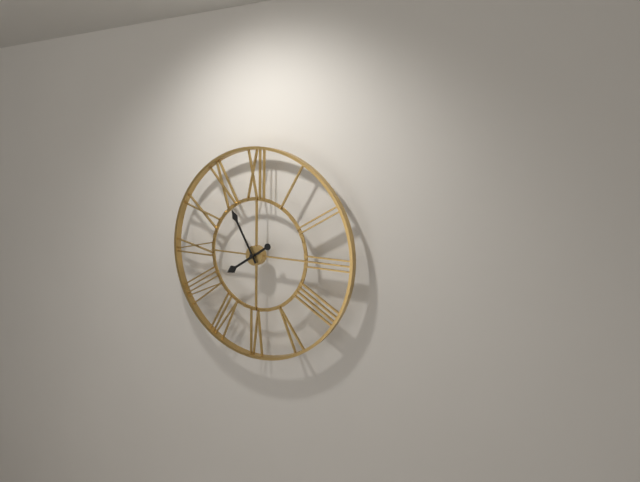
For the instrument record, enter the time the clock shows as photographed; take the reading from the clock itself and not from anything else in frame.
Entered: 7:55
